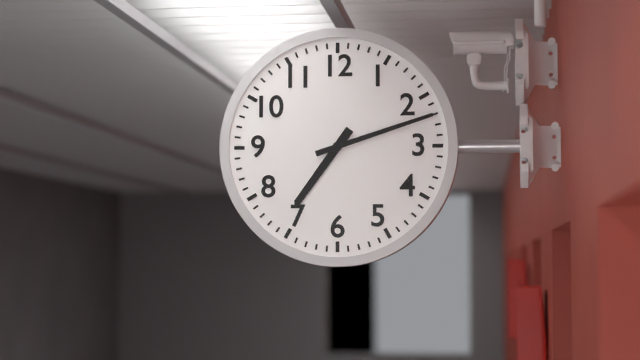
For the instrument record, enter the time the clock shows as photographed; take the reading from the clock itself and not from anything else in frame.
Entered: 7:12
